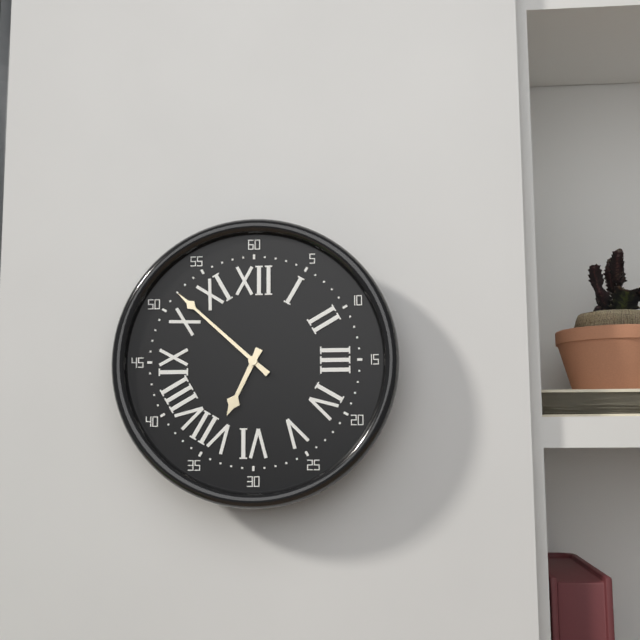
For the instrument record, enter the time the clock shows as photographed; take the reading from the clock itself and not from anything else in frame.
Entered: 6:52
